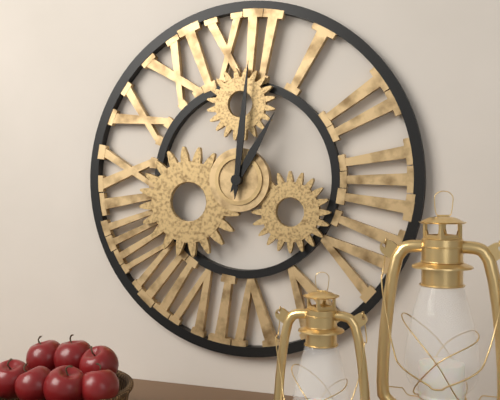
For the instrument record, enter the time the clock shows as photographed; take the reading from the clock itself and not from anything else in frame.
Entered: 1:01
